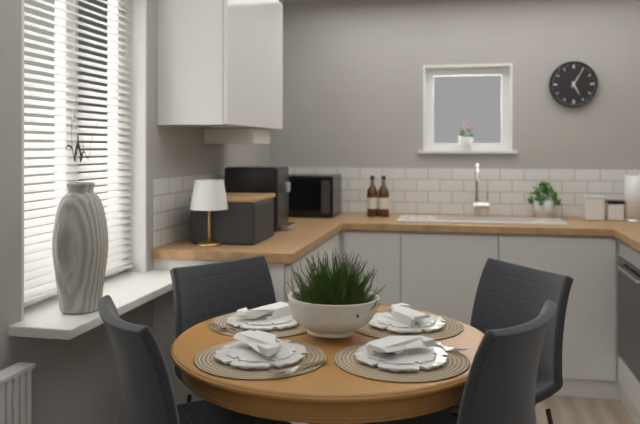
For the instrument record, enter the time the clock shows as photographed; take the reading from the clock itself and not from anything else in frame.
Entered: 5:05
